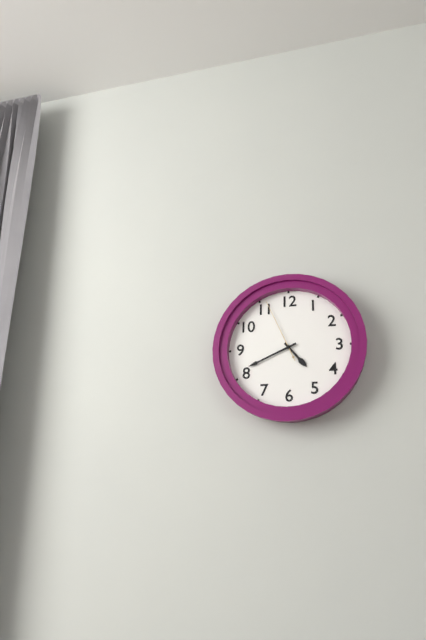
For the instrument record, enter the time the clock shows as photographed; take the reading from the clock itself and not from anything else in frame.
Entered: 4:41:56
